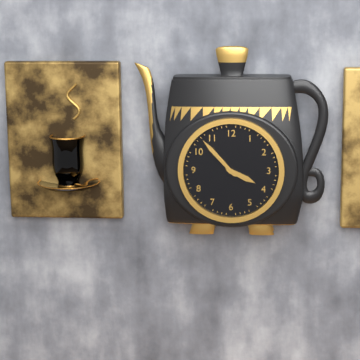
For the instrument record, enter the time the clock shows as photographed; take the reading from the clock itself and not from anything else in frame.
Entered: 3:53
